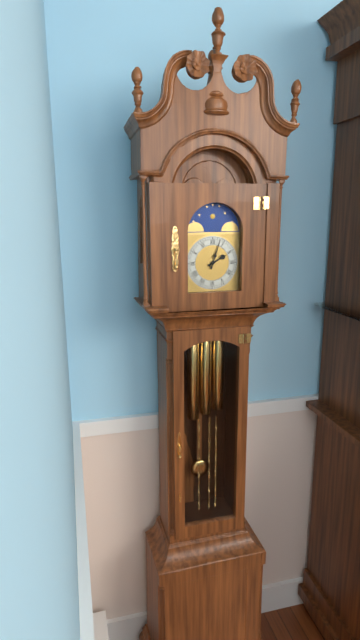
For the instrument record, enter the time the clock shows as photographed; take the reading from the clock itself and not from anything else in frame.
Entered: 2:03
